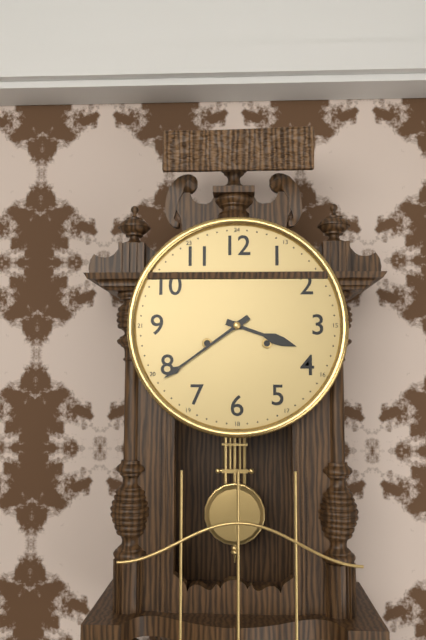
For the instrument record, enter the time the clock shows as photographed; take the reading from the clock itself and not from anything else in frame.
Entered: 3:39
